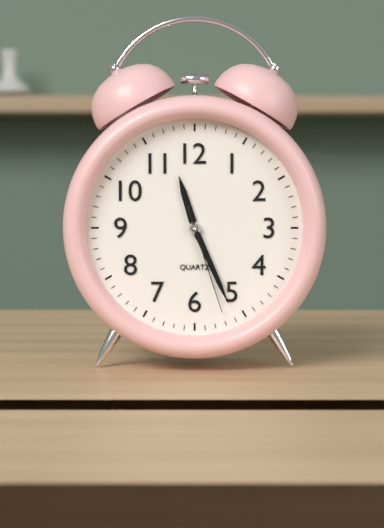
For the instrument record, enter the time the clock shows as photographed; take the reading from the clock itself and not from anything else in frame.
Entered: 11:26:27
